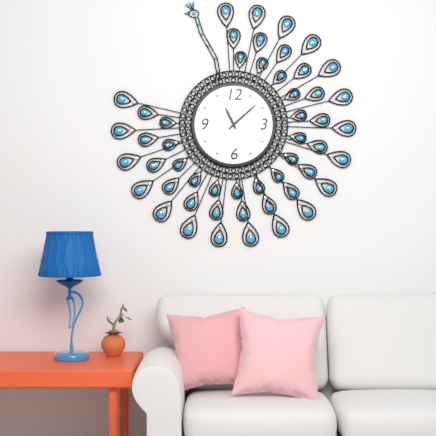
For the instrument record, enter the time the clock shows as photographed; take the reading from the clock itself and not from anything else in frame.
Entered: 11:08
